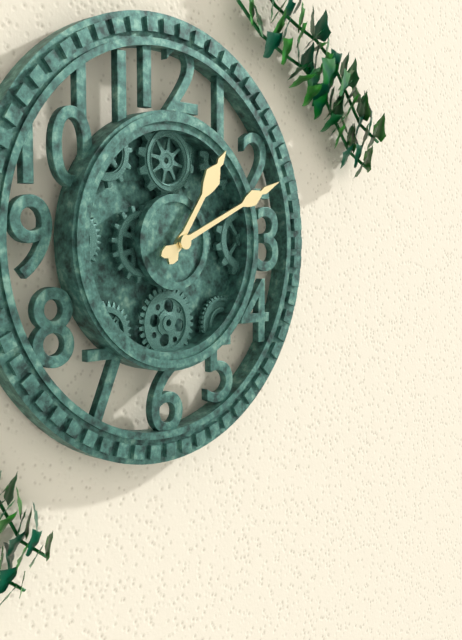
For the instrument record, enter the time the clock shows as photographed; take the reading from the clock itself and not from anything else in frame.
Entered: 1:11
